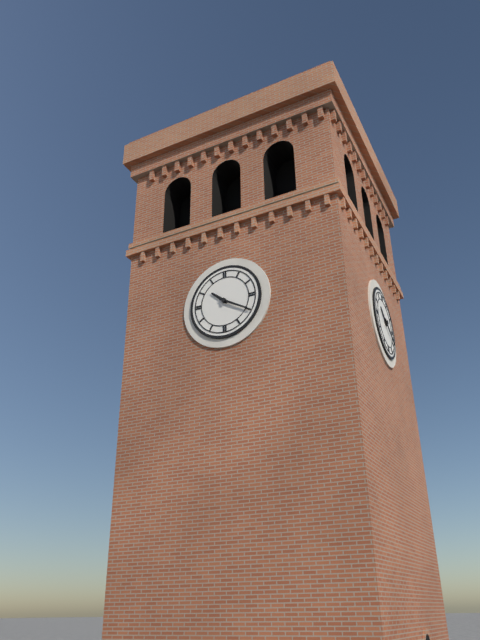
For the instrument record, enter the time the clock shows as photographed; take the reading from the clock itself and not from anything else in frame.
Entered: 10:20
